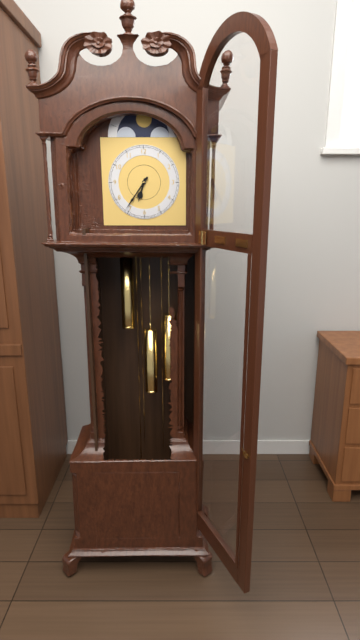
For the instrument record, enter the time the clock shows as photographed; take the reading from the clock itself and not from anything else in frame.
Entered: 6:36
